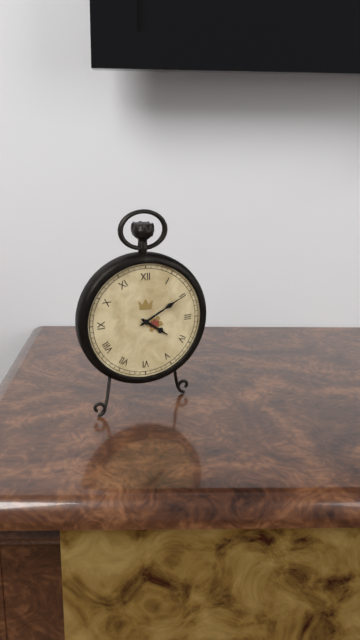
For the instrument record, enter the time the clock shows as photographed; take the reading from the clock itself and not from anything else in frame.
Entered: 4:10
